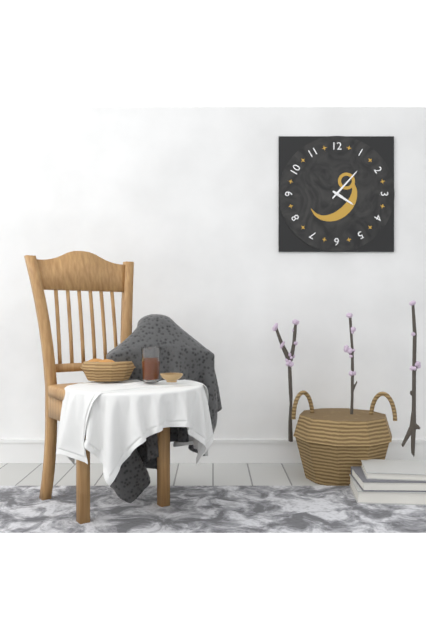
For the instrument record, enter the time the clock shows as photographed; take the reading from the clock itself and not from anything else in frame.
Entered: 4:07
